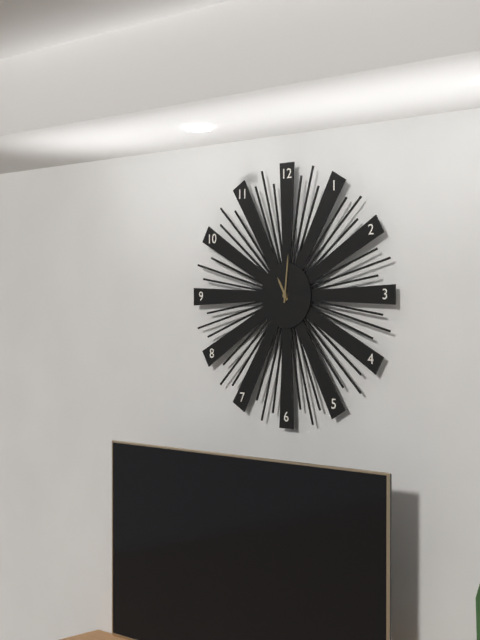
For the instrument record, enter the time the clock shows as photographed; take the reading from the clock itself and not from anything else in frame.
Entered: 11:01
